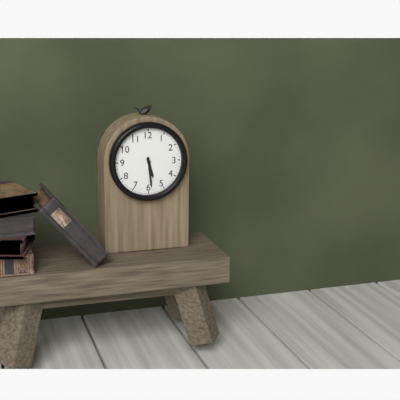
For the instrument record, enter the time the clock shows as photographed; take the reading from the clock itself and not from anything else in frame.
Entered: 5:29
